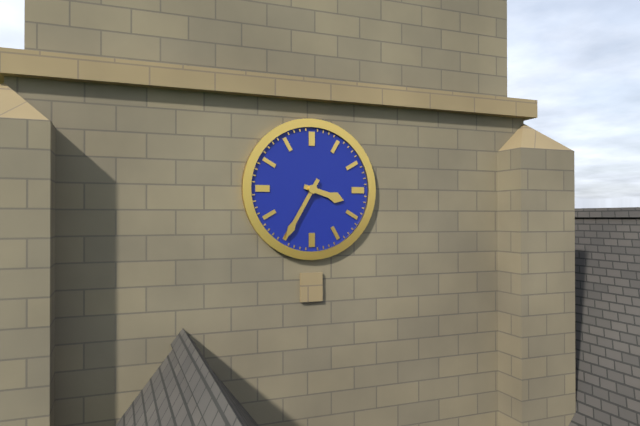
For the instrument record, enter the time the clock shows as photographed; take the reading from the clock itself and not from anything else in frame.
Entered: 3:35
